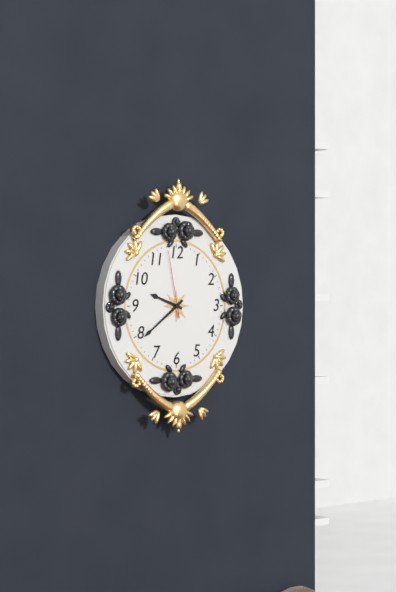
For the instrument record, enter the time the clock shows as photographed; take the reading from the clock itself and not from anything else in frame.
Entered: 9:39:58
